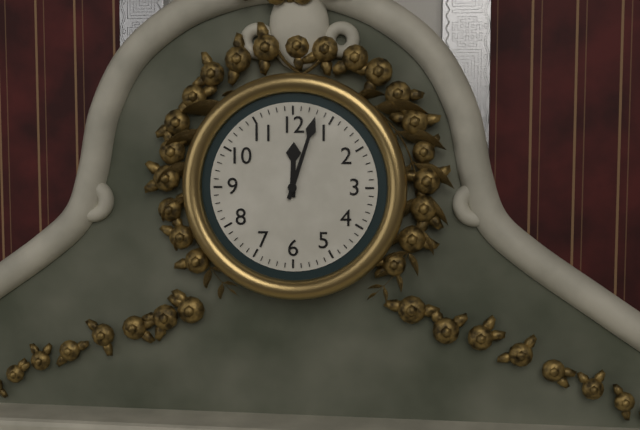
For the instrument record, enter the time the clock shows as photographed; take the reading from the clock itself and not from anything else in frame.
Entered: 12:03
